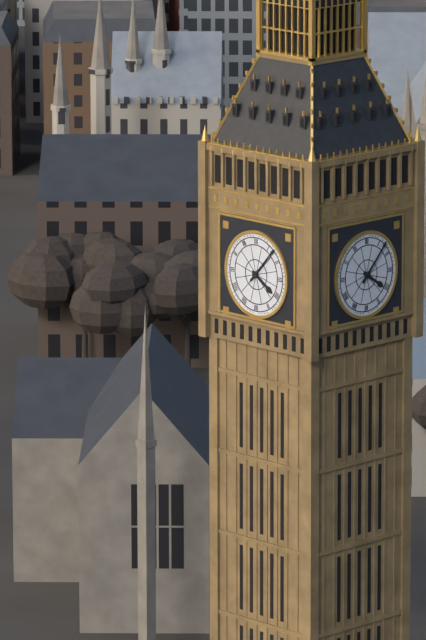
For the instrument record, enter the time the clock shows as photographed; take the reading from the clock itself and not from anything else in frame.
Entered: 4:07
